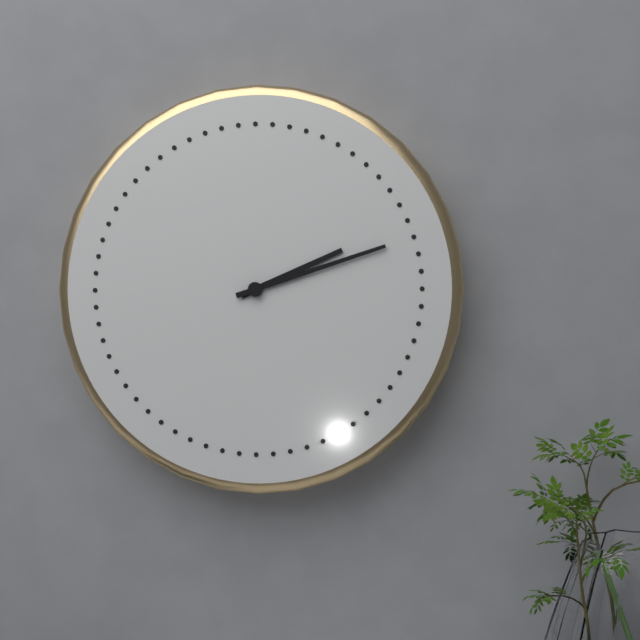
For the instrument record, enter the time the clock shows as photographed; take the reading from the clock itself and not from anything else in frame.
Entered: 2:12
